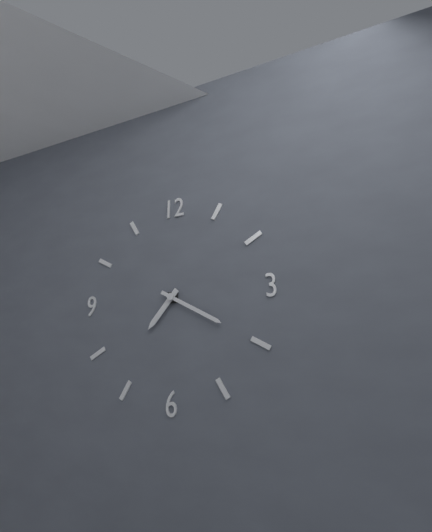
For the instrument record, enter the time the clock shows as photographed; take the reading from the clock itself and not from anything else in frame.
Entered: 7:20
